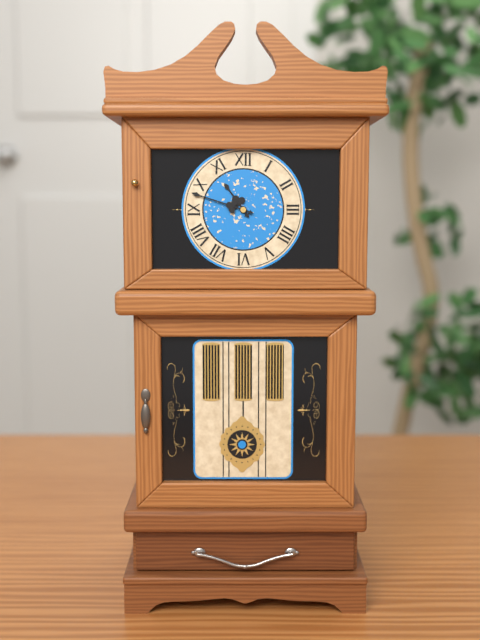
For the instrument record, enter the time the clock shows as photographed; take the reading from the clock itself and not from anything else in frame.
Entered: 10:48
